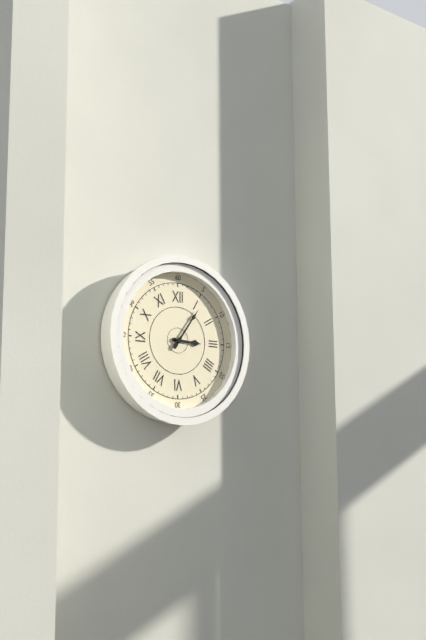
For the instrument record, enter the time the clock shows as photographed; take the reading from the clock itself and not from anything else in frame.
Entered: 3:06
